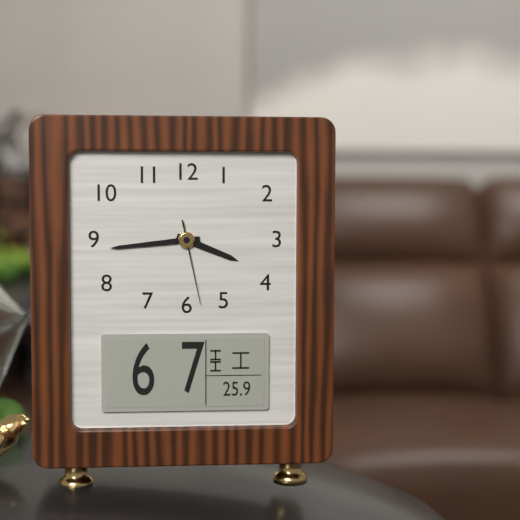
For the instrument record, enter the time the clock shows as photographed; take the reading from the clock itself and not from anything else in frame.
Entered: 3:44:28
